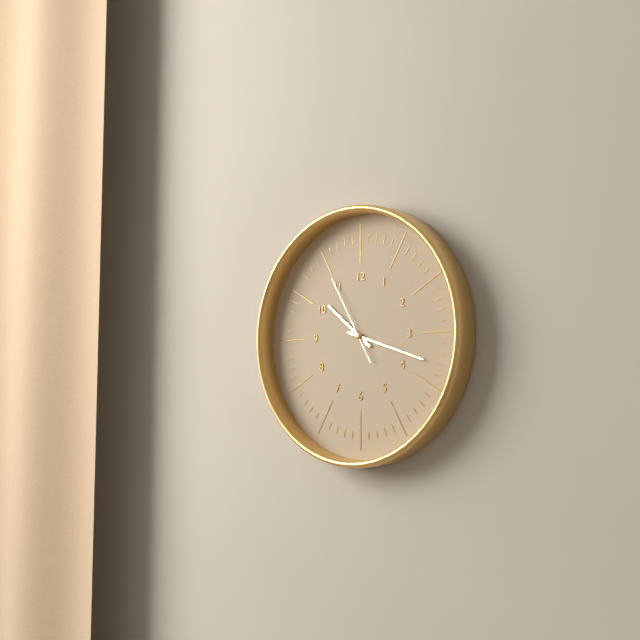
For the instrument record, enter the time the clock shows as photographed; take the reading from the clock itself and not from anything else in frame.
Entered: 10:18:55
